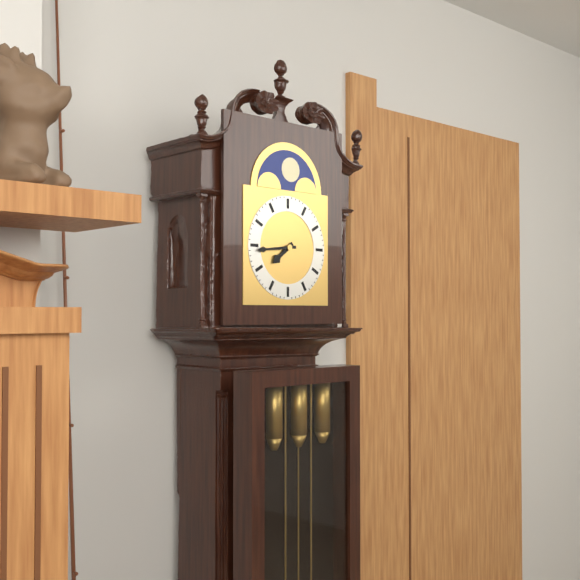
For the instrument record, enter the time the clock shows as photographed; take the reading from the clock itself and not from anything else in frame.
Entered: 7:44
